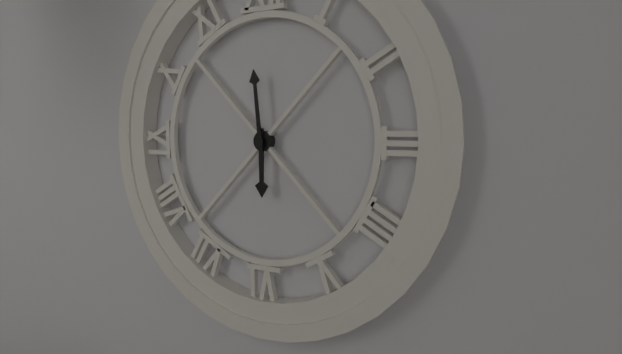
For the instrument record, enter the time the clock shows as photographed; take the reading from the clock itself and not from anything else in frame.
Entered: 5:59
